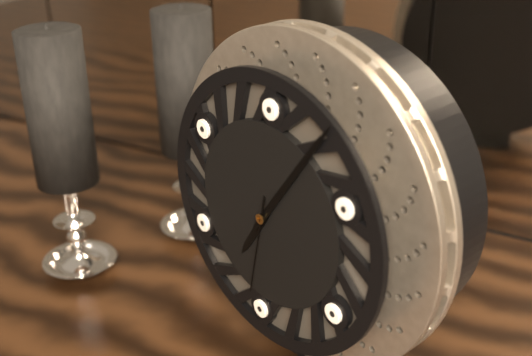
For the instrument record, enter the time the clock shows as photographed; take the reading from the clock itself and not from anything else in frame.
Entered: 7:06:32
